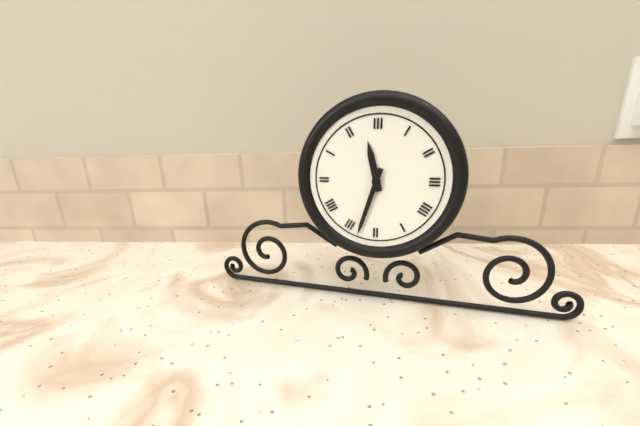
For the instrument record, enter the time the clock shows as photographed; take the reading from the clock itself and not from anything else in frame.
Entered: 11:33
